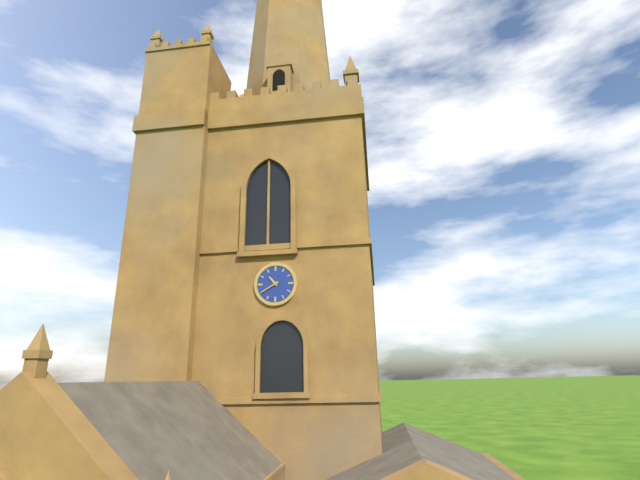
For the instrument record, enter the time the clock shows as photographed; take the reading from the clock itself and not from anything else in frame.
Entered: 10:40
